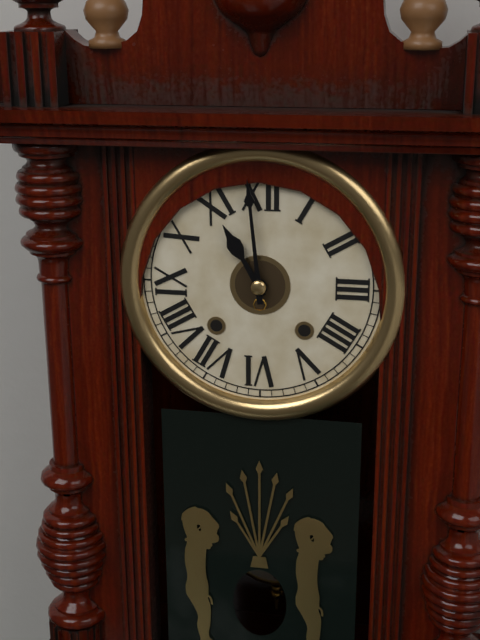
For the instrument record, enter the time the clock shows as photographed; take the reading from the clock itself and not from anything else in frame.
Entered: 10:59
